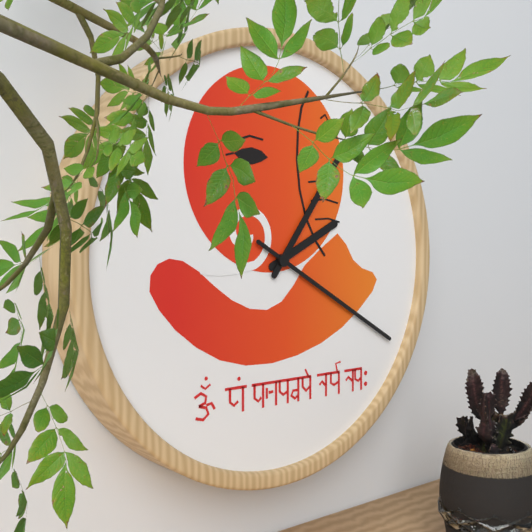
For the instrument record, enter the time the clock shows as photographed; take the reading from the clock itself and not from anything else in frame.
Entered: 2:06:20
